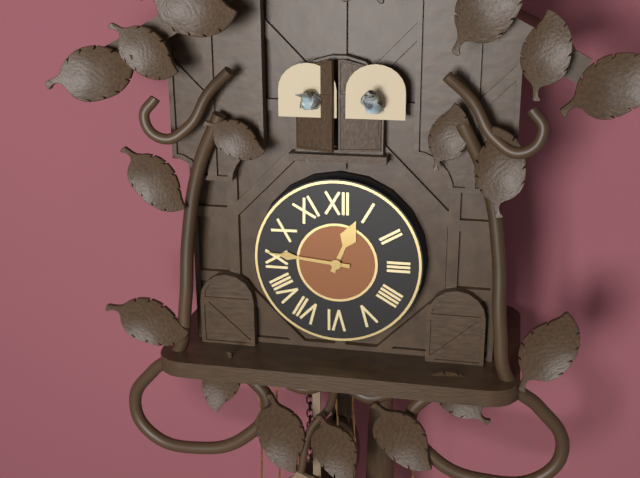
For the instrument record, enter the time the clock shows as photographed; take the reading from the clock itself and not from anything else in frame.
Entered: 12:46
